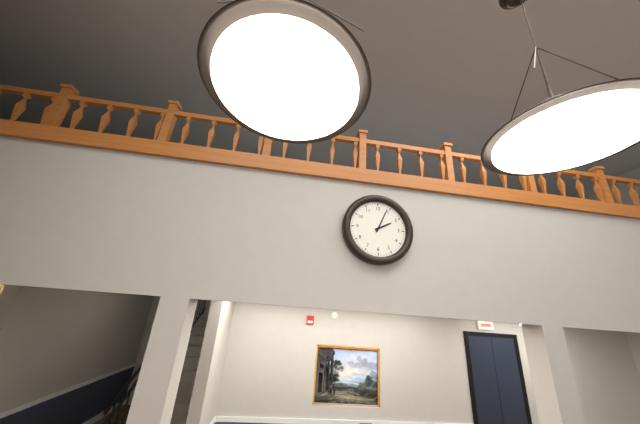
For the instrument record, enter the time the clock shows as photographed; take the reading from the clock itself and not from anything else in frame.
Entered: 2:04
